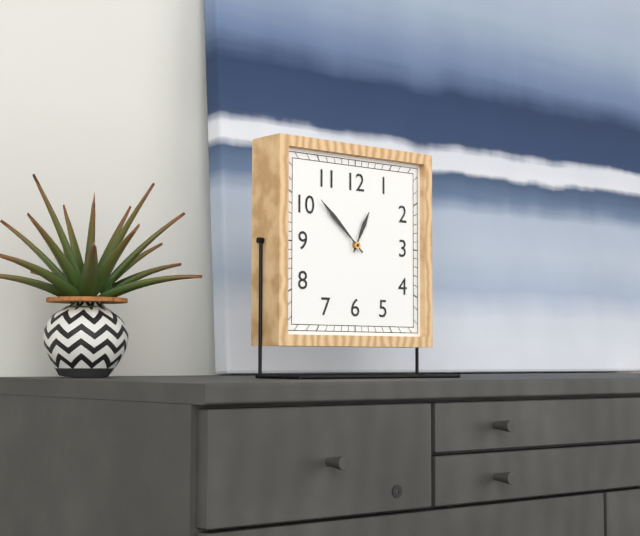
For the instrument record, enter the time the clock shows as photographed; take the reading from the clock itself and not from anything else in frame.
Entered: 12:52
